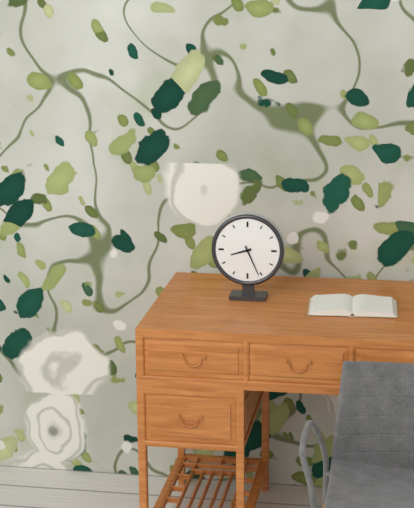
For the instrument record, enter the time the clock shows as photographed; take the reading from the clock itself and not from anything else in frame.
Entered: 8:26
